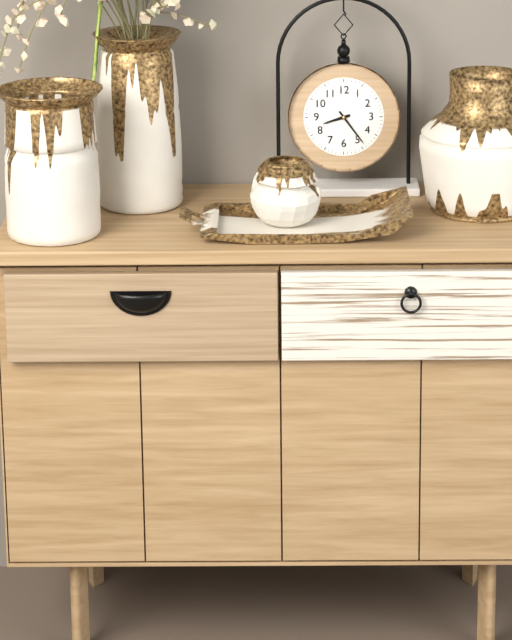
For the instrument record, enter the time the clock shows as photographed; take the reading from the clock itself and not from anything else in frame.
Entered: 8:24
